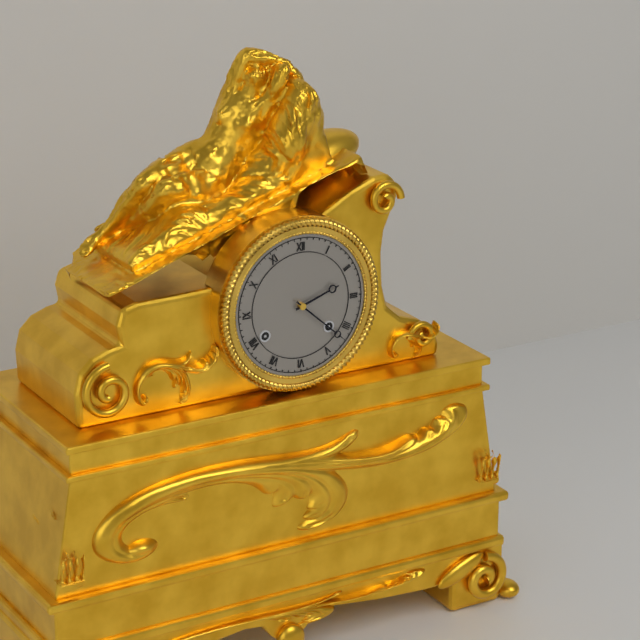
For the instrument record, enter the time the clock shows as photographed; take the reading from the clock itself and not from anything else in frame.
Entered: 2:22
